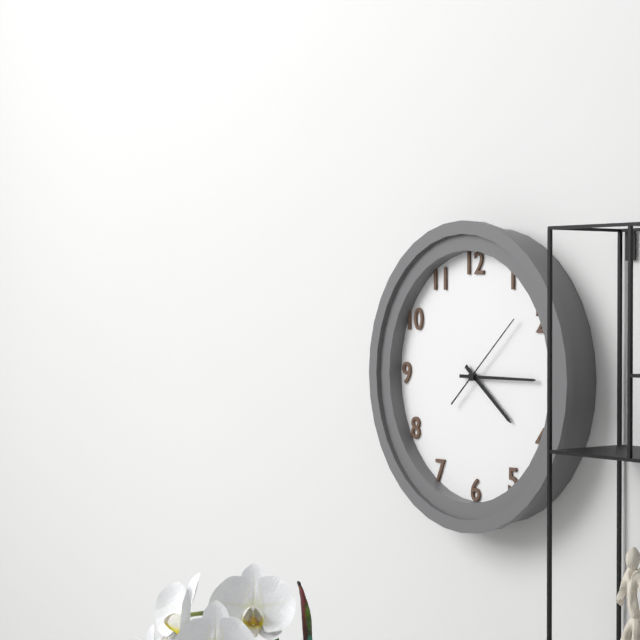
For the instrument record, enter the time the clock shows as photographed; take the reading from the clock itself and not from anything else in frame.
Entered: 4:15:08
